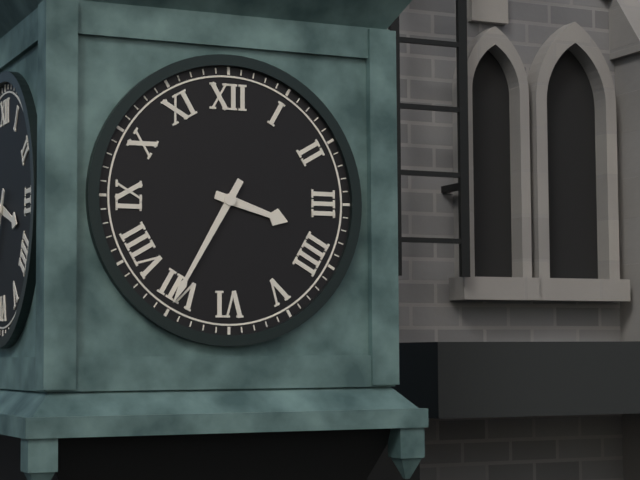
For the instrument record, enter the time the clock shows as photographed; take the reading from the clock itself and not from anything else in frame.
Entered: 3:35
